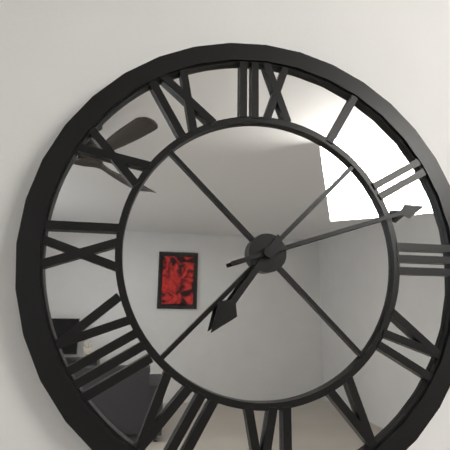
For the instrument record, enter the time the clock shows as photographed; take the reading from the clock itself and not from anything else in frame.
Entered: 7:12
